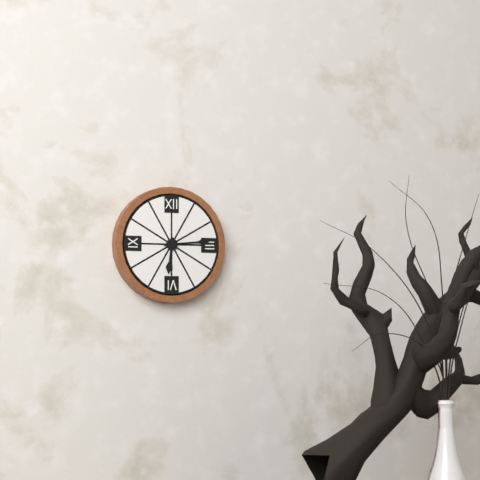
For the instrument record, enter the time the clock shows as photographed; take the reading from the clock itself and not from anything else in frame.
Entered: 6:14
